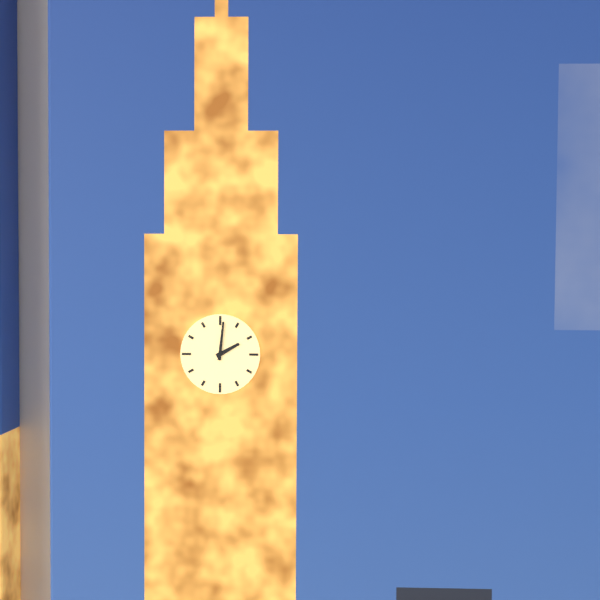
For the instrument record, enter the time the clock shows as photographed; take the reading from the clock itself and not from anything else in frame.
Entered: 2:01
